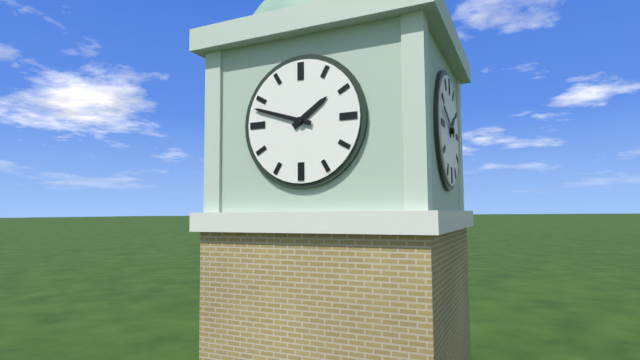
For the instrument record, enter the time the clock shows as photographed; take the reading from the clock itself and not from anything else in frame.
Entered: 1:48
